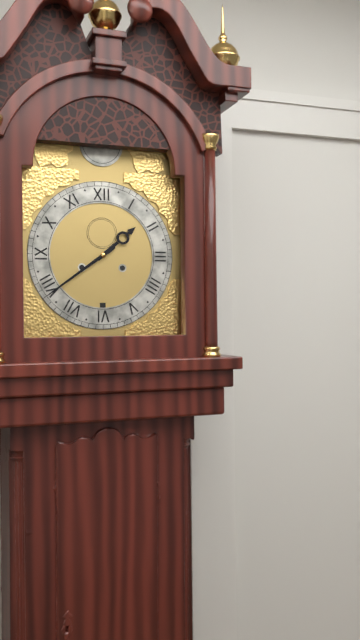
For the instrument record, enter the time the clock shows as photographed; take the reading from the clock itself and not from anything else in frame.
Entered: 1:39
